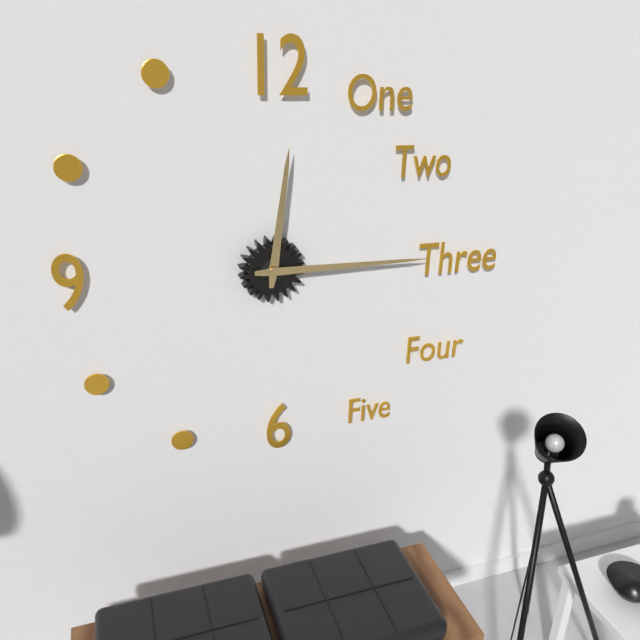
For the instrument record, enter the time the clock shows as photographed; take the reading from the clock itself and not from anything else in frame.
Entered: 12:15
